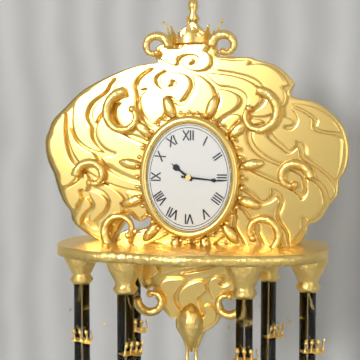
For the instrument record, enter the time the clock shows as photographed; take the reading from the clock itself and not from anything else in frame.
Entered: 10:16
